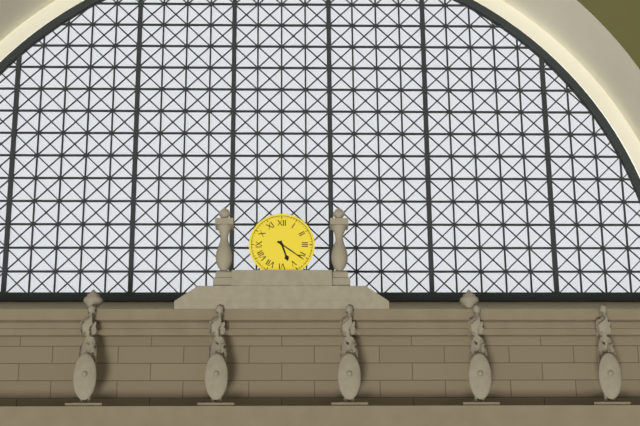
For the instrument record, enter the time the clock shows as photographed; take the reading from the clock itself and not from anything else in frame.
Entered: 5:21
